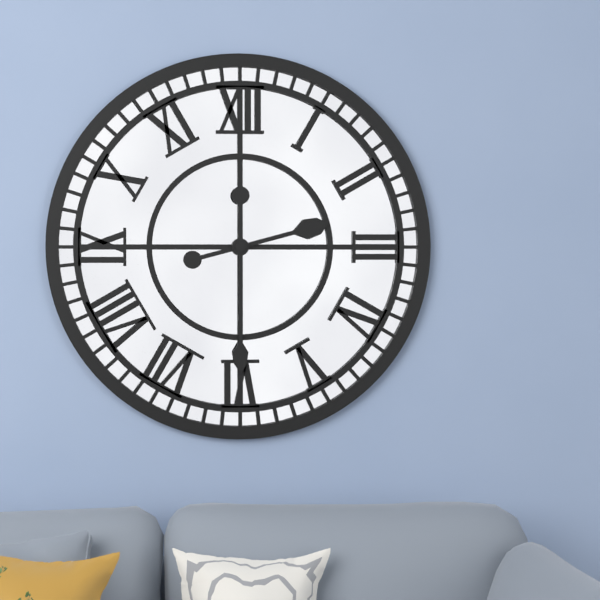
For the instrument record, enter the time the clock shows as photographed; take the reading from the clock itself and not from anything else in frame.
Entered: 2:30
